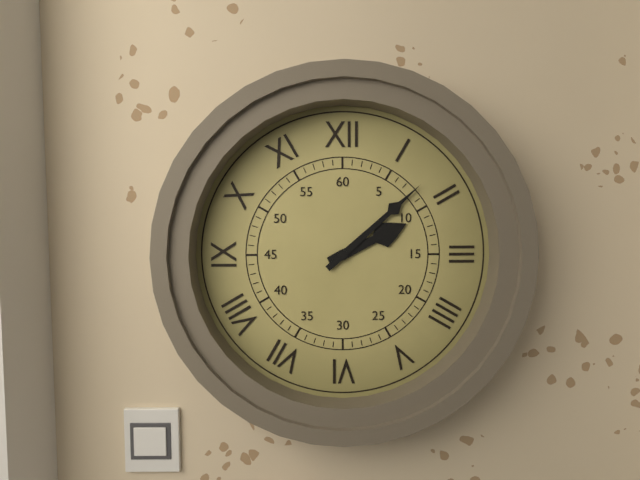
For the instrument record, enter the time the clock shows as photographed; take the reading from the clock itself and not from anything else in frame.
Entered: 2:08
